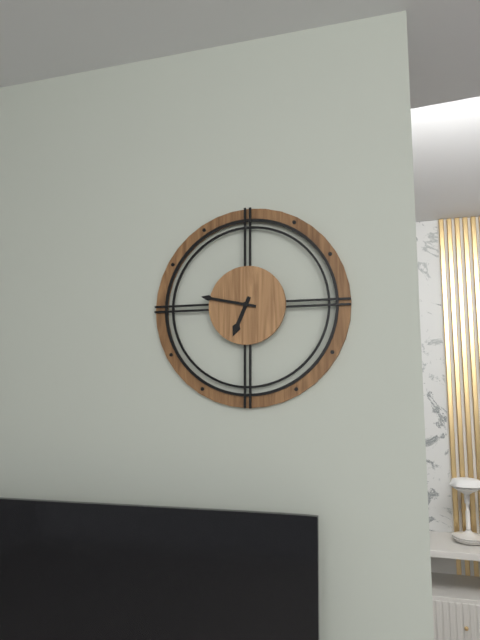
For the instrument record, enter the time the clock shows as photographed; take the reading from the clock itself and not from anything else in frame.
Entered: 6:47
